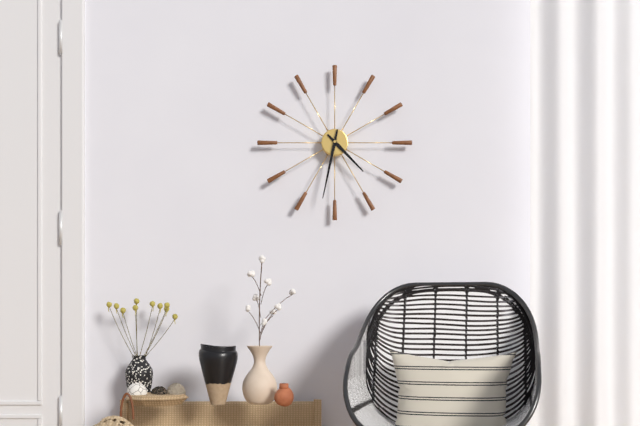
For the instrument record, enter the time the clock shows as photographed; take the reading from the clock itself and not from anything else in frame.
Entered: 4:32
